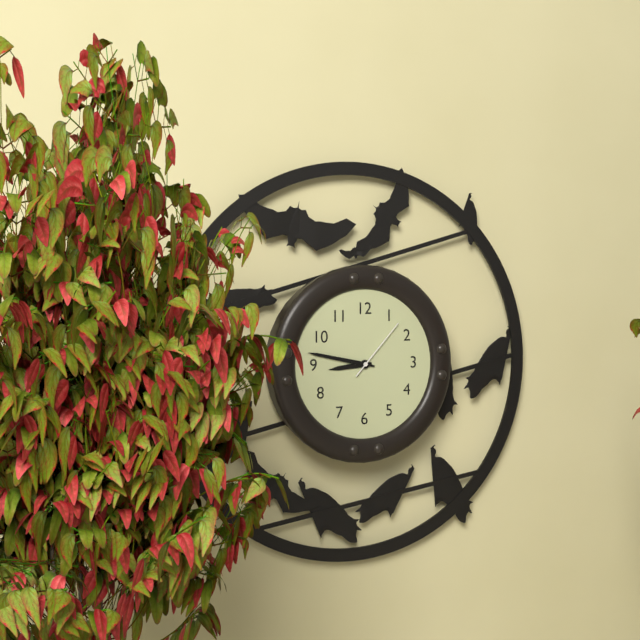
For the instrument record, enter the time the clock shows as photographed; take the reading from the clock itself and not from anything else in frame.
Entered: 8:47:07
